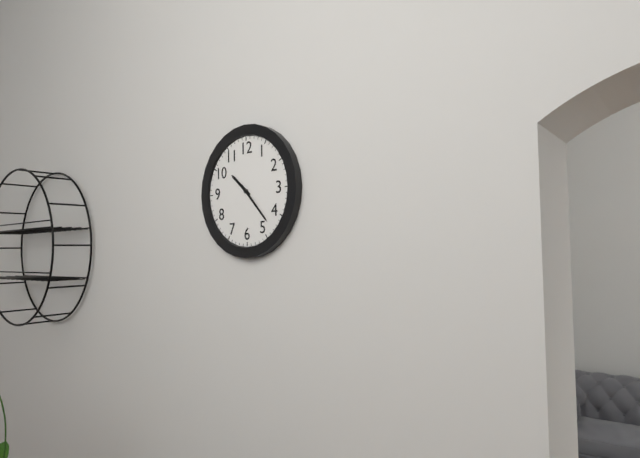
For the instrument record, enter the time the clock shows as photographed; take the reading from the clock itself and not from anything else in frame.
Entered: 10:23
